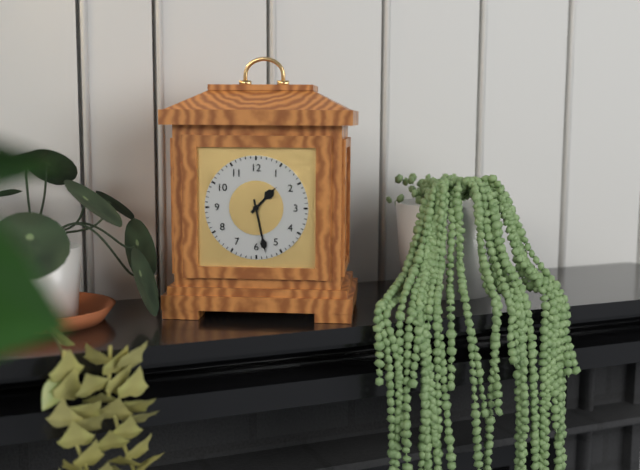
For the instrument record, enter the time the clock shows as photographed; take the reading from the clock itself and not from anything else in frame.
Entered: 1:28
